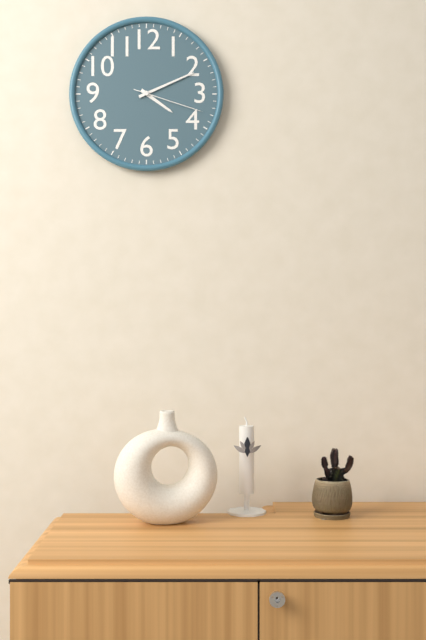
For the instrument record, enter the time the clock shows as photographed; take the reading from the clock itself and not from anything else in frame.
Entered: 4:11:18
